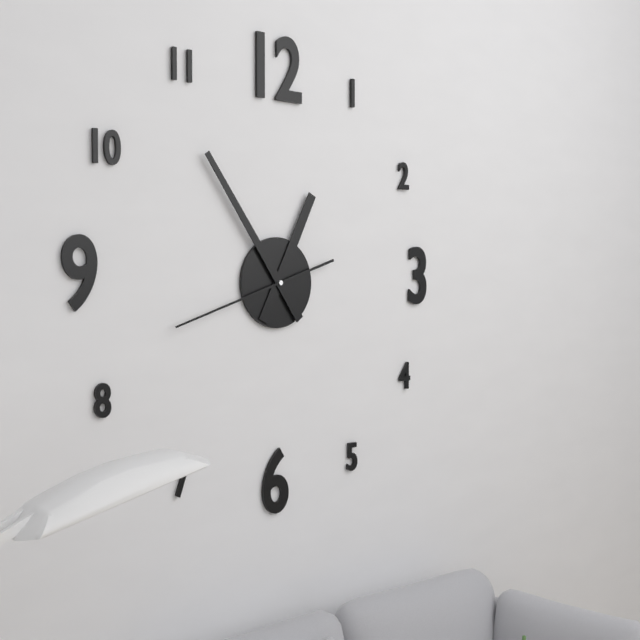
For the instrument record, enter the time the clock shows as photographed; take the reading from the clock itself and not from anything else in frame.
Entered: 12:54:42
